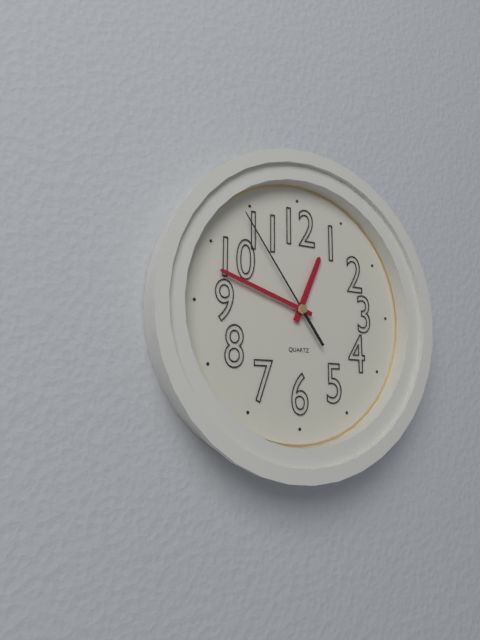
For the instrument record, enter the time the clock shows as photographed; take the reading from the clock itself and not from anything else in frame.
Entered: 12:48:54
